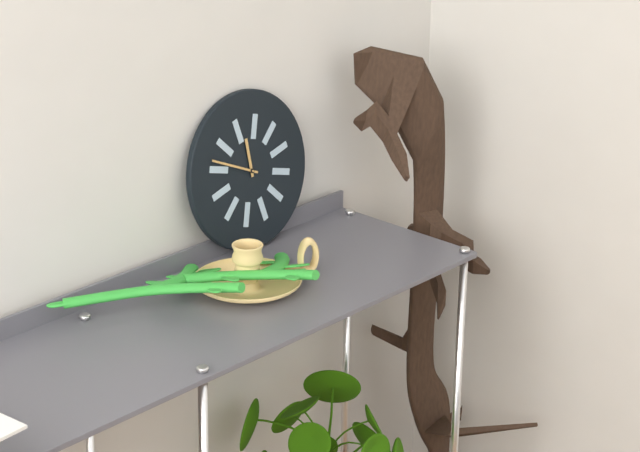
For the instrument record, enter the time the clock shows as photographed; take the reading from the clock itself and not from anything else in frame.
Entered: 11:49
